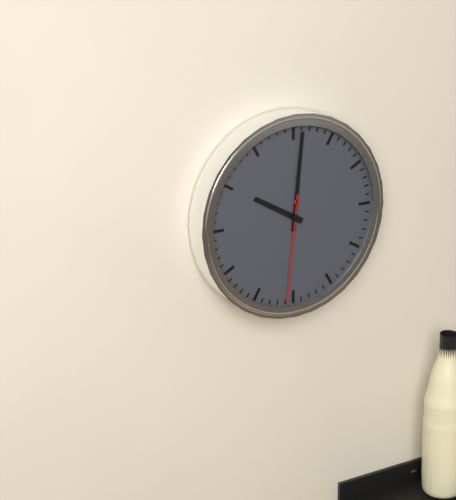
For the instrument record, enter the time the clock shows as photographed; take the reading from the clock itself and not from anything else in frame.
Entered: 10:01:31
